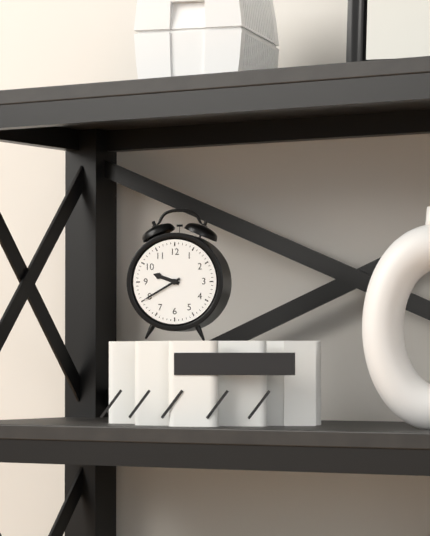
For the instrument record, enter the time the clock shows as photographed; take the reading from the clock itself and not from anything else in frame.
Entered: 9:40
